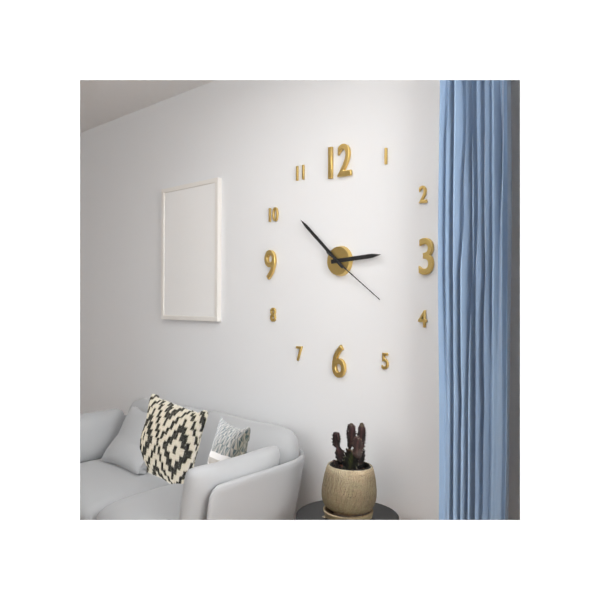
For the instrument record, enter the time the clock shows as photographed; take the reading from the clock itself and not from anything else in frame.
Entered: 2:52:21
